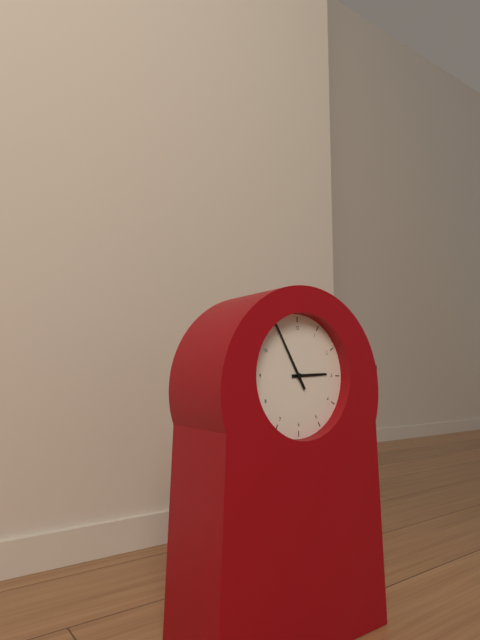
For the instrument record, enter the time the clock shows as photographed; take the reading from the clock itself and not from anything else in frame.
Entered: 2:55
